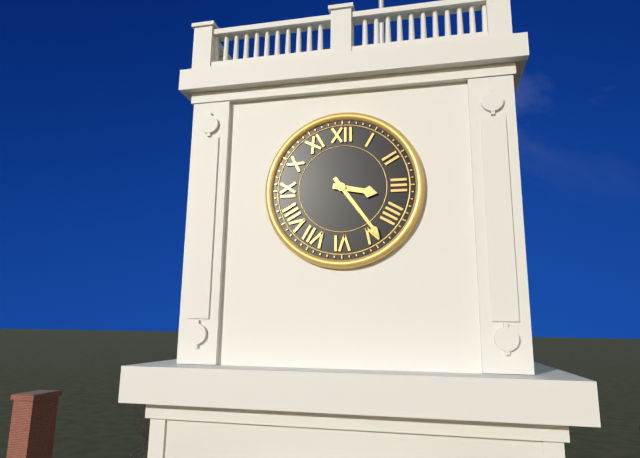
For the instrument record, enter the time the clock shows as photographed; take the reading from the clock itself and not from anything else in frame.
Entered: 3:24
